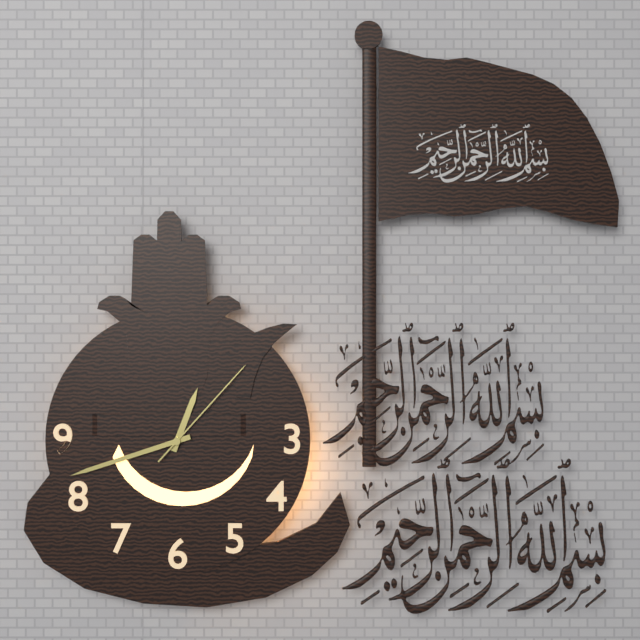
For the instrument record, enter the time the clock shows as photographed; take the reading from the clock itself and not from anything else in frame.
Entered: 12:42:07
